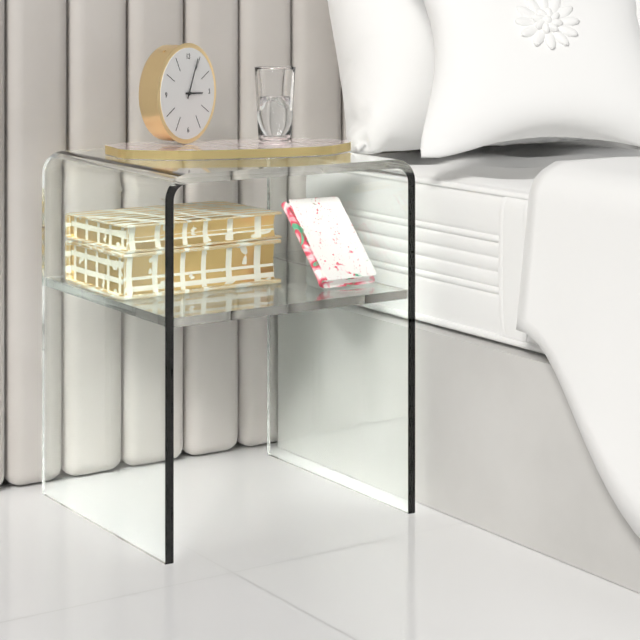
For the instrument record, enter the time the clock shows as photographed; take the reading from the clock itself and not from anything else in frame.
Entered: 3:04
